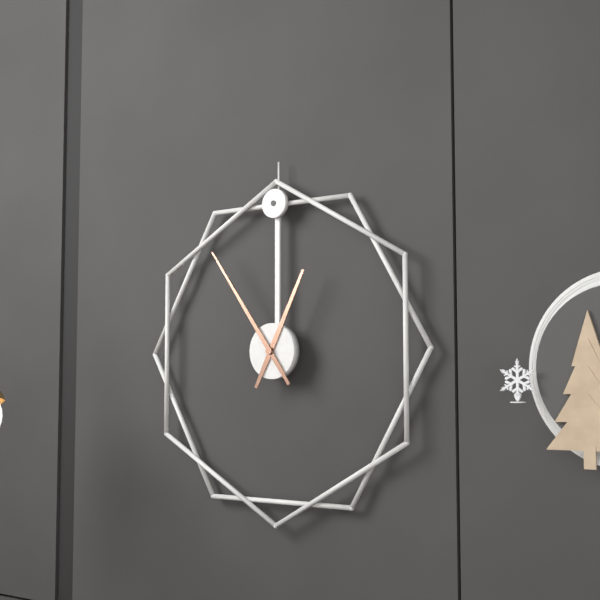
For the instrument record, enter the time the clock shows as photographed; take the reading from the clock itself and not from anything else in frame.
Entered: 12:54
